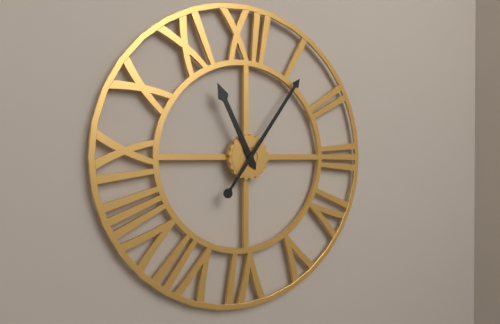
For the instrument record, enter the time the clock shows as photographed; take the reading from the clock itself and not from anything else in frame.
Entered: 11:06
